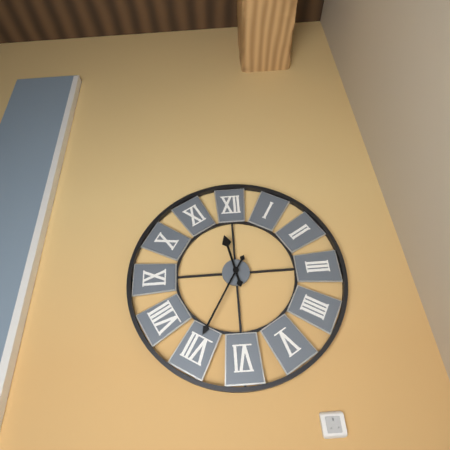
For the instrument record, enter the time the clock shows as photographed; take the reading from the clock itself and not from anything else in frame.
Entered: 11:35
